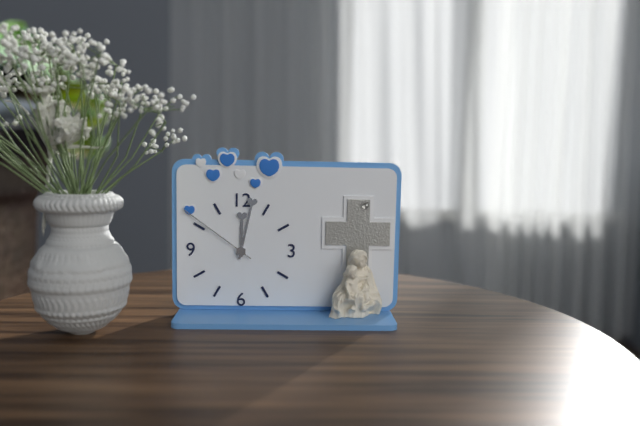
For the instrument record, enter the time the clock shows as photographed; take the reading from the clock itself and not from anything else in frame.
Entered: 12:02:51
